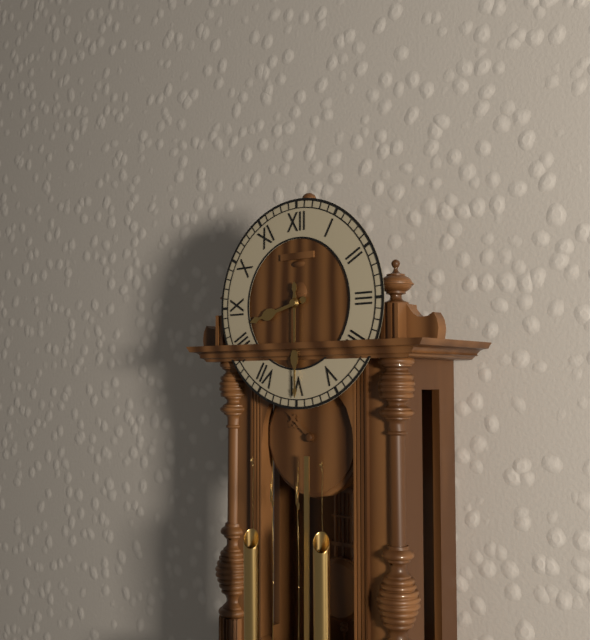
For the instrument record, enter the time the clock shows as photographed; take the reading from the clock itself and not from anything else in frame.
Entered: 8:30
